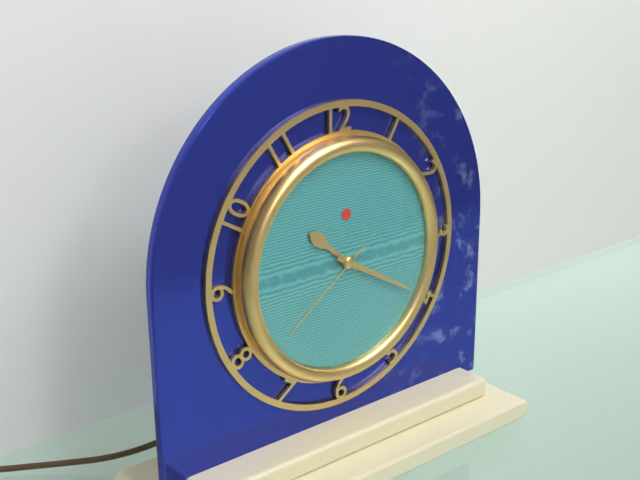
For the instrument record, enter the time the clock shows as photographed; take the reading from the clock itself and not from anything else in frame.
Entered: 10:20:39
